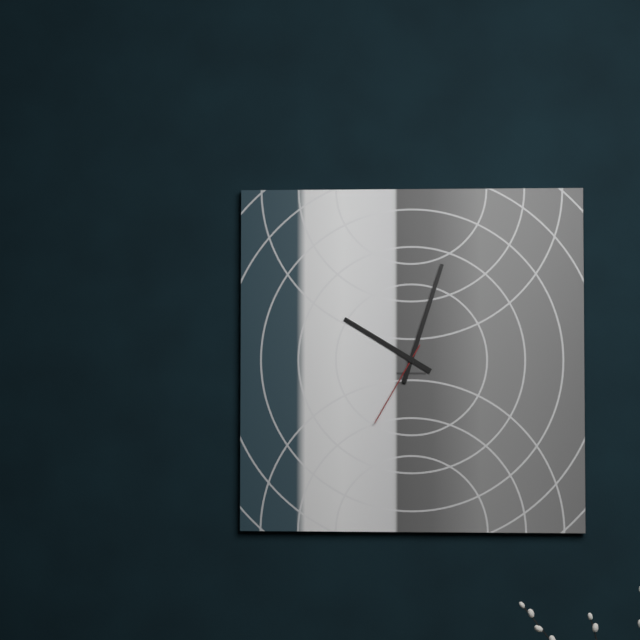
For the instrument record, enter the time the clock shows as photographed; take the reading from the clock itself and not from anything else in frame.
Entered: 10:03:35
